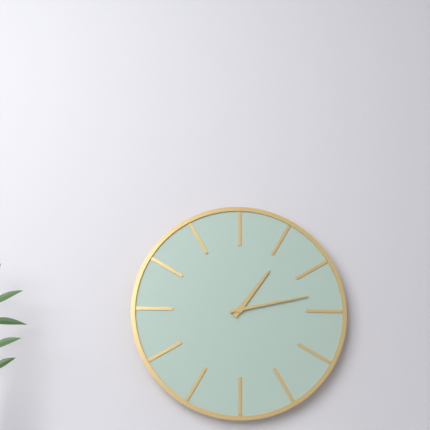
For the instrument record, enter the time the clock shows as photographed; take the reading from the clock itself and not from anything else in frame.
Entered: 1:13
